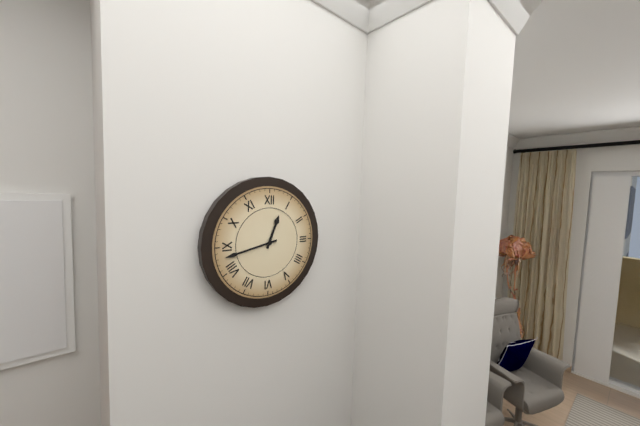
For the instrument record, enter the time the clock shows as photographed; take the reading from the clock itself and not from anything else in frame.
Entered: 12:43
